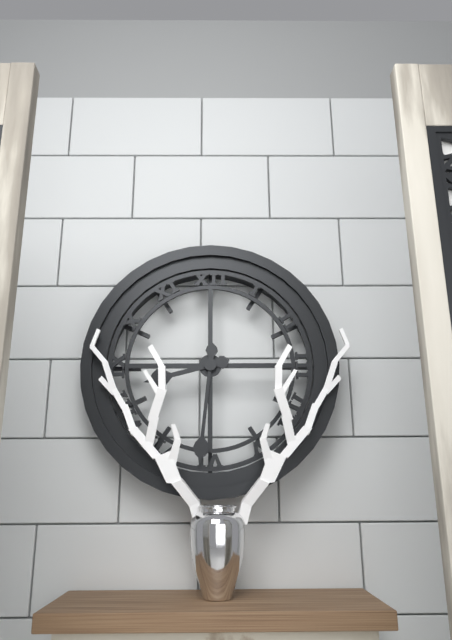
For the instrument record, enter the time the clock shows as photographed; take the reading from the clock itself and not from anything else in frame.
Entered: 8:31
